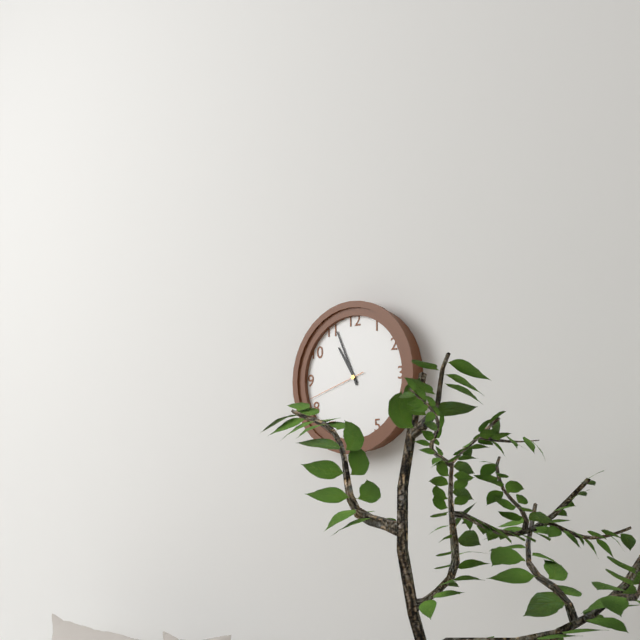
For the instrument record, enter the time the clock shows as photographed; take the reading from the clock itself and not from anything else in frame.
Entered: 10:56:42
